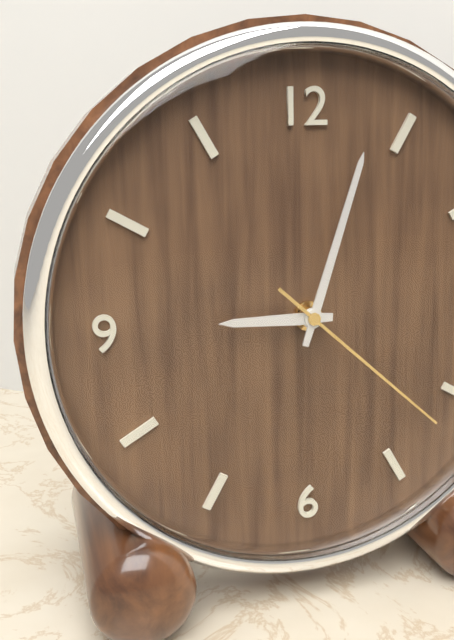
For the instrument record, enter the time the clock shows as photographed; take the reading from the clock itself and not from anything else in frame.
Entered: 9:03:22
